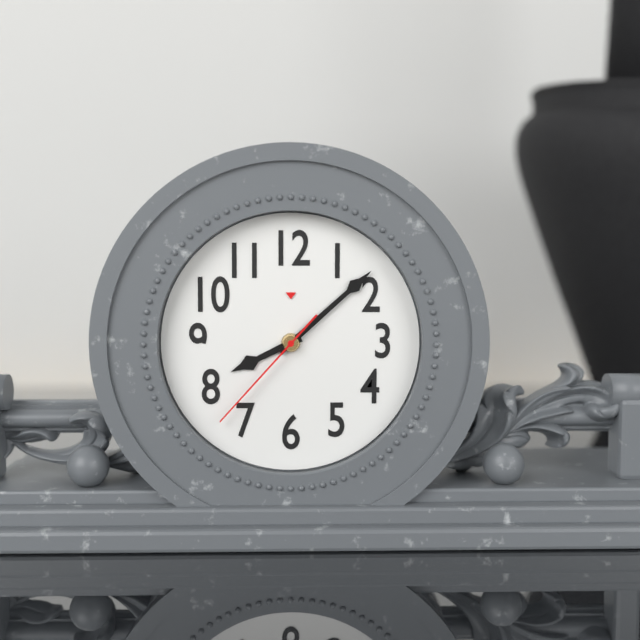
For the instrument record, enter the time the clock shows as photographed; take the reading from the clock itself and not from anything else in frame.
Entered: 8:08:37
